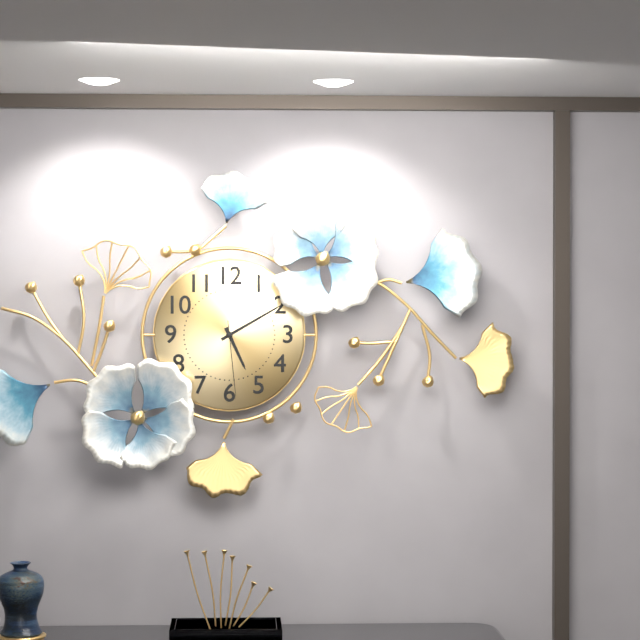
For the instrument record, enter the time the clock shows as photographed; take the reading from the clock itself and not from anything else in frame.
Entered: 5:10:29
